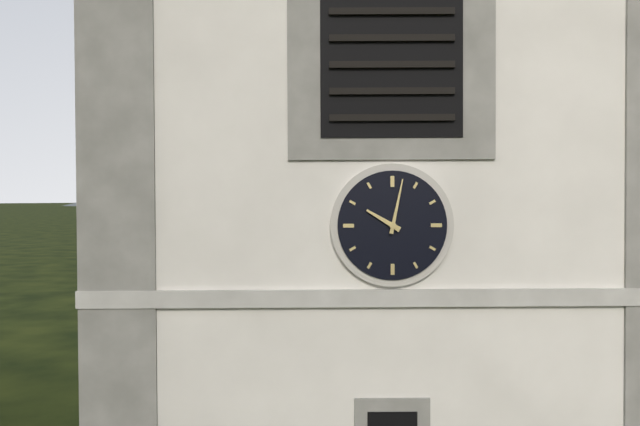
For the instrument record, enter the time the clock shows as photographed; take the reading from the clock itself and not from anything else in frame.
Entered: 10:02
